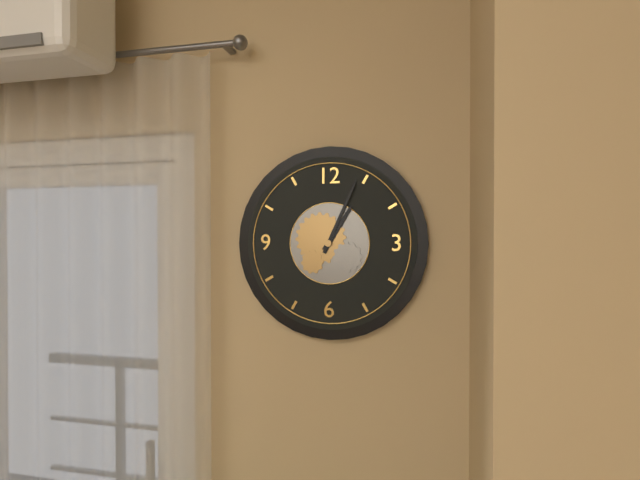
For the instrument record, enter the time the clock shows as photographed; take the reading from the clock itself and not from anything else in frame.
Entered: 1:04
